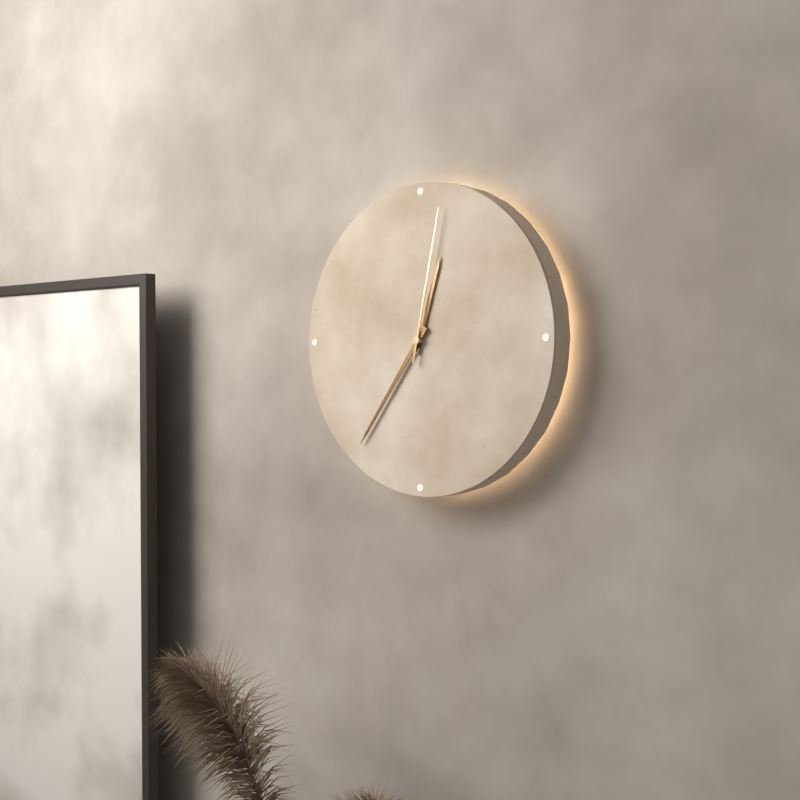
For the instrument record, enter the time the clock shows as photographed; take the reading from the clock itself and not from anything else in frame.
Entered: 12:36:02
